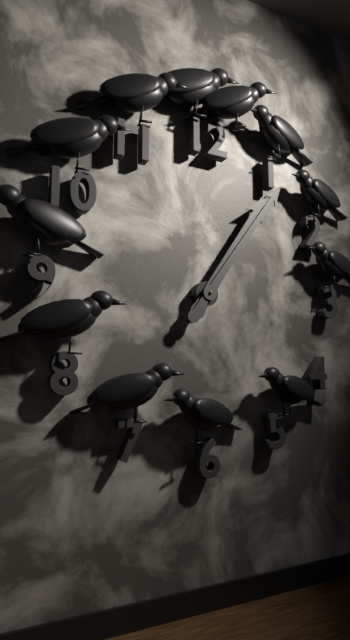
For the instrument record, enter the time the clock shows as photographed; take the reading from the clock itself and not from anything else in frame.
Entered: 1:06
